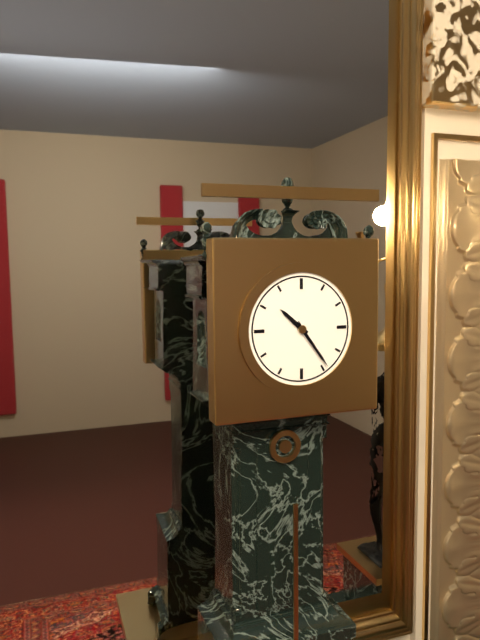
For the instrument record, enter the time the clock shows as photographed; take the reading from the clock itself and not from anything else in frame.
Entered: 10:24
